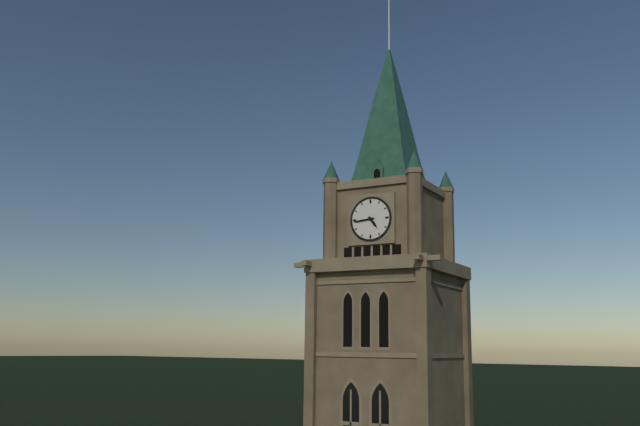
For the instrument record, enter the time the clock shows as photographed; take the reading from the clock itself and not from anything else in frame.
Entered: 4:44
